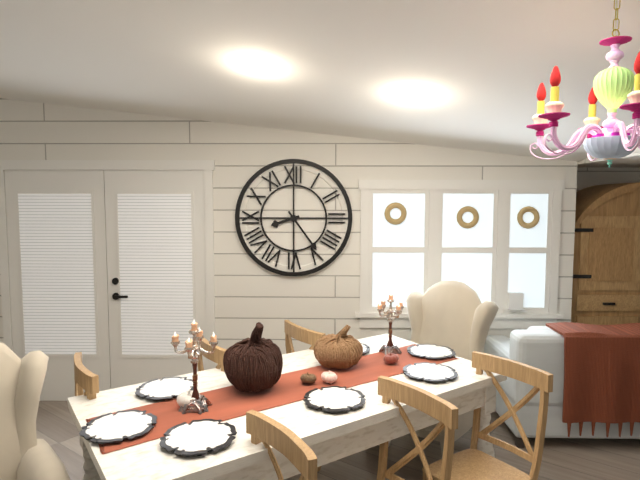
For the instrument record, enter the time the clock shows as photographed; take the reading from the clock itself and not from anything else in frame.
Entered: 8:24
